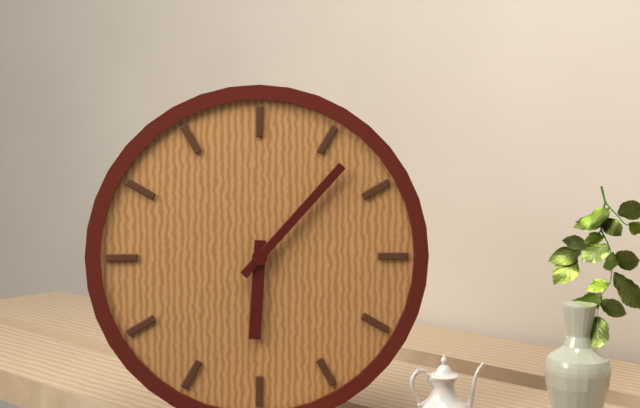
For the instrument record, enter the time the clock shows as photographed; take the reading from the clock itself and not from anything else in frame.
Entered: 6:07
